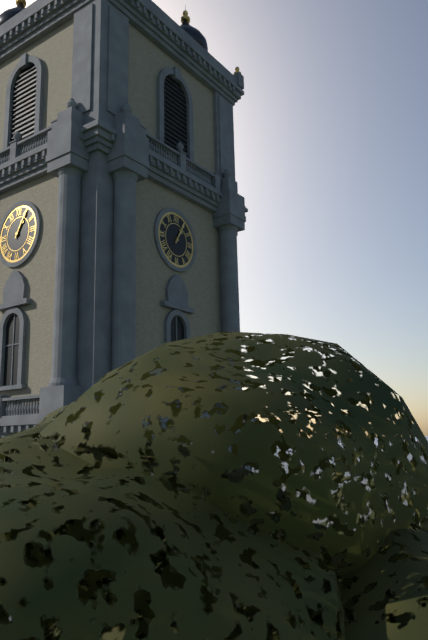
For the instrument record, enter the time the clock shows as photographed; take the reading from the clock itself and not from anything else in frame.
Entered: 1:05
